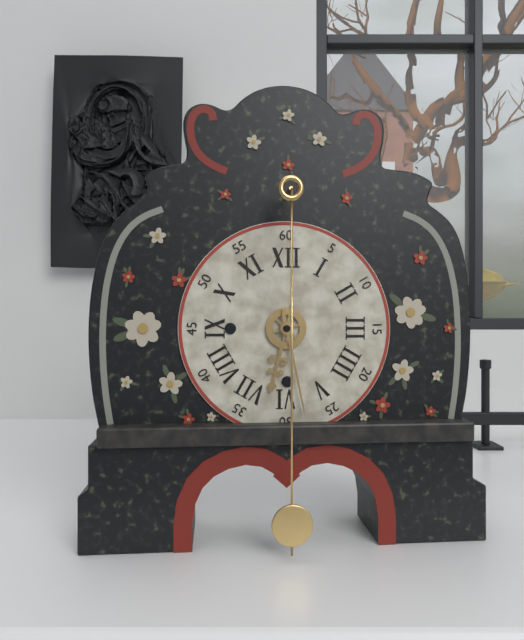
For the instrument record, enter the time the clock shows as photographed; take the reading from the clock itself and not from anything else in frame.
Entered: 6:28
